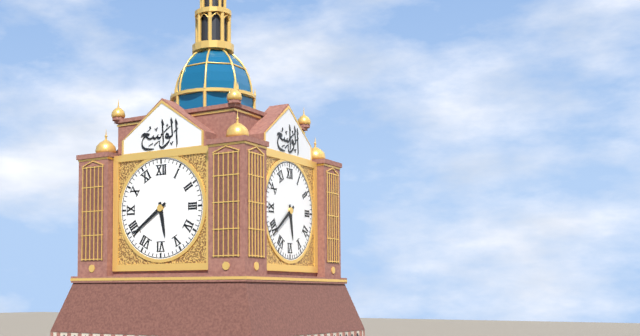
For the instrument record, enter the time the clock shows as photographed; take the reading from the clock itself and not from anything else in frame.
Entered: 5:39
